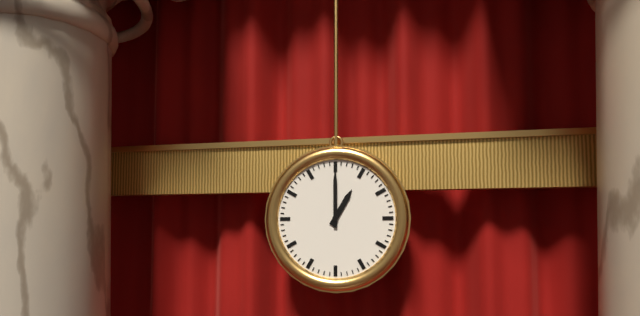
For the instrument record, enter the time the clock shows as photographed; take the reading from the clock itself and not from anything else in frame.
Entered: 1:00
